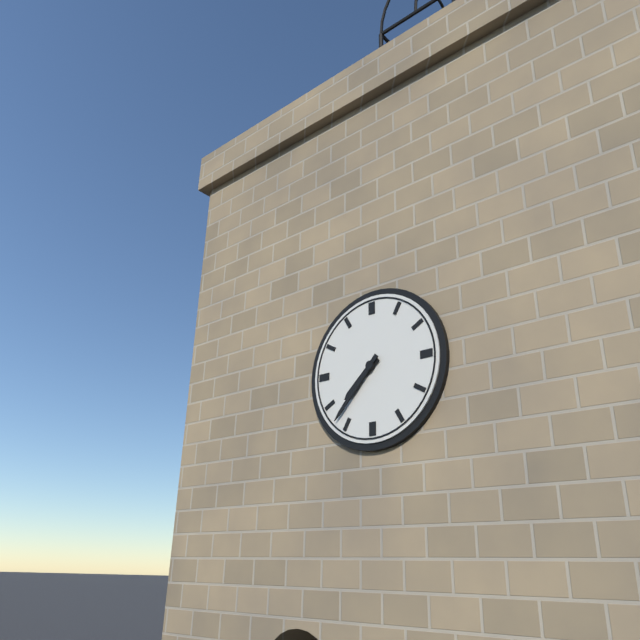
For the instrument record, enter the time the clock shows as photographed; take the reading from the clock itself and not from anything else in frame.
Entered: 7:37
